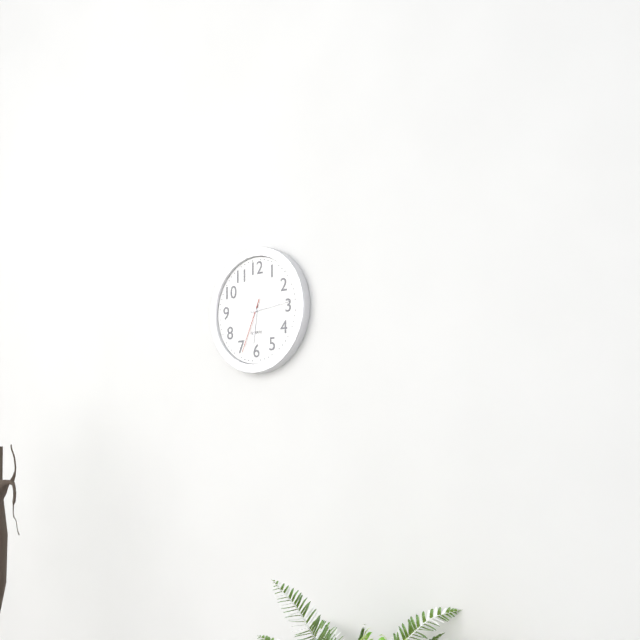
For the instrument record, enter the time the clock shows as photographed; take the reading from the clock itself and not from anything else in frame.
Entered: 6:14:34
